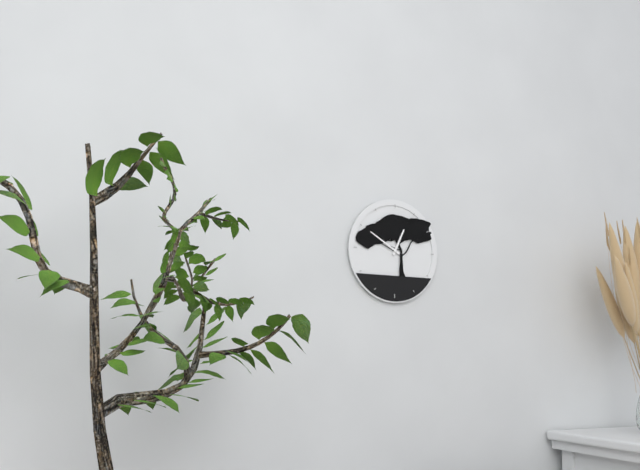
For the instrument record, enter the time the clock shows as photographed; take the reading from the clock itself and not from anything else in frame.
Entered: 12:50
